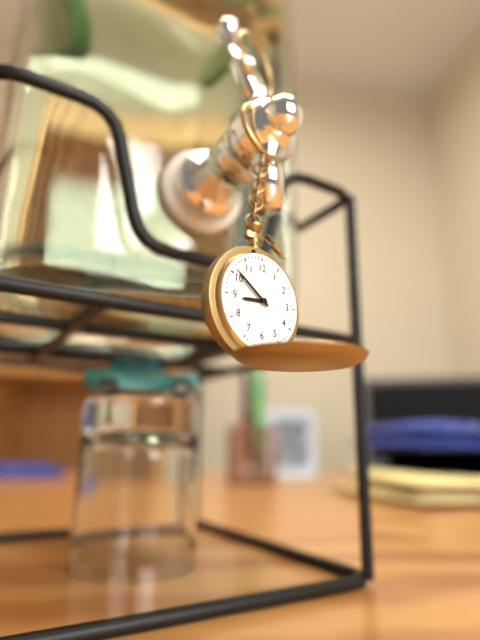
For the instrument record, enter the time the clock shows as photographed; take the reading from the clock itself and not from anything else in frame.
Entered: 8:51
